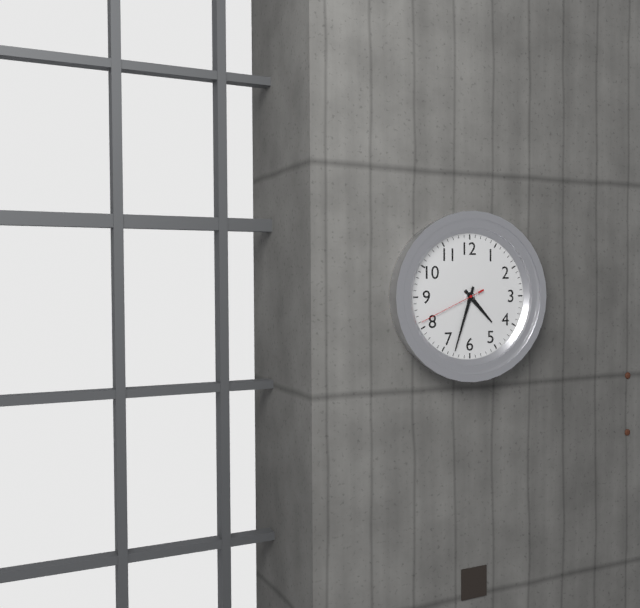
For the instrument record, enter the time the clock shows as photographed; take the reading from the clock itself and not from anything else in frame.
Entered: 4:33:41
